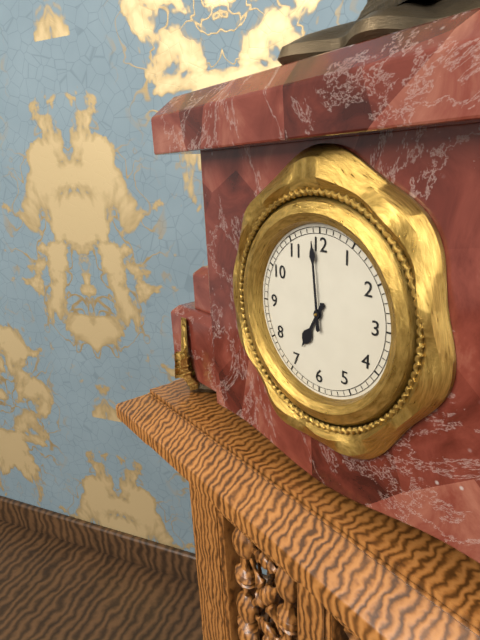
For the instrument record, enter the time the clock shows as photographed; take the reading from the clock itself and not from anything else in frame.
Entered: 6:59
